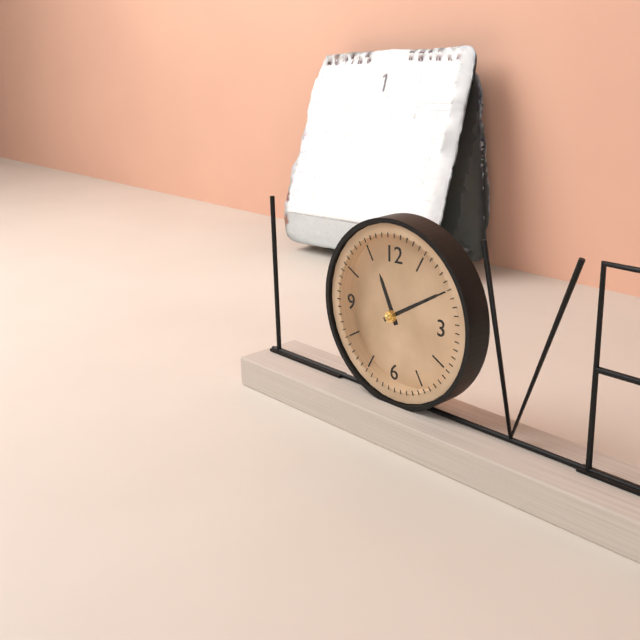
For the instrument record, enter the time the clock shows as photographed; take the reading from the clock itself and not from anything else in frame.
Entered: 11:10
